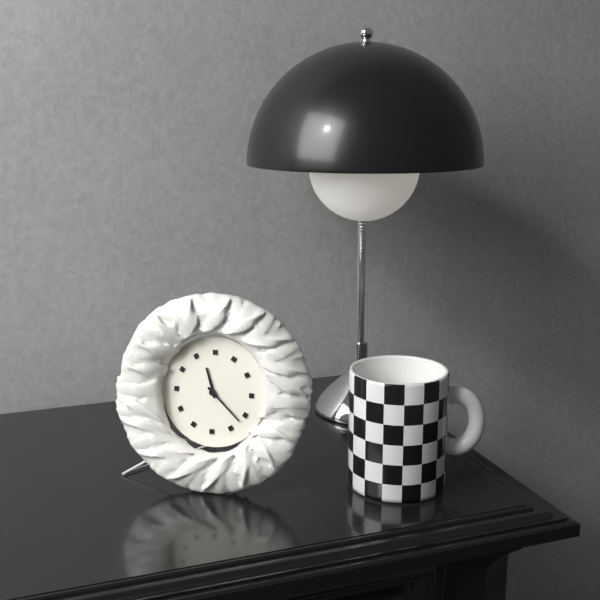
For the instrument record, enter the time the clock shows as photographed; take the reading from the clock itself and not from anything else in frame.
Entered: 11:22
